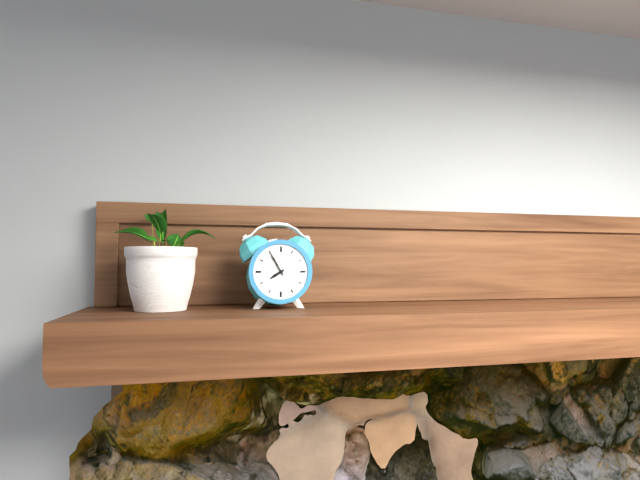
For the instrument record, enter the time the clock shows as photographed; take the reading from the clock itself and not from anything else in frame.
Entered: 7:55
